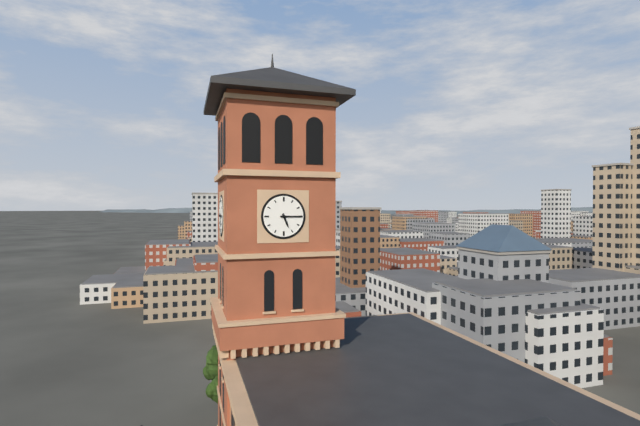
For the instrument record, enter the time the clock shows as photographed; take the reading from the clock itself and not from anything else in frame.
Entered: 5:15
